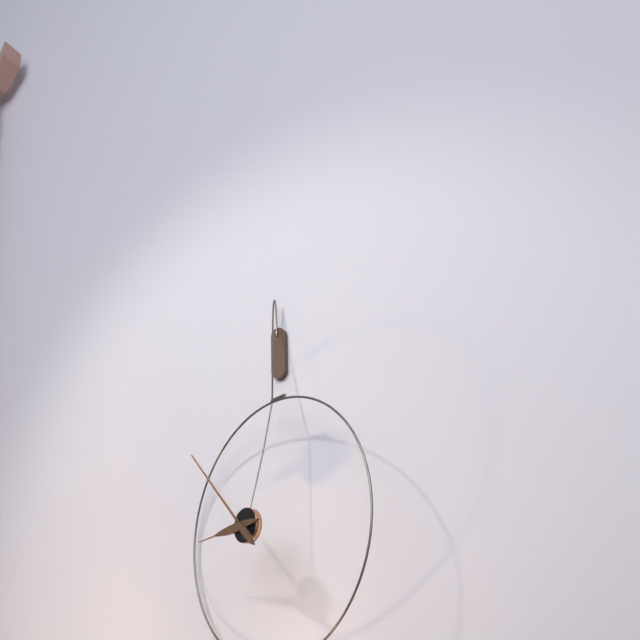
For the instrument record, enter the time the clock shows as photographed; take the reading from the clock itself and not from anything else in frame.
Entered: 8:53
